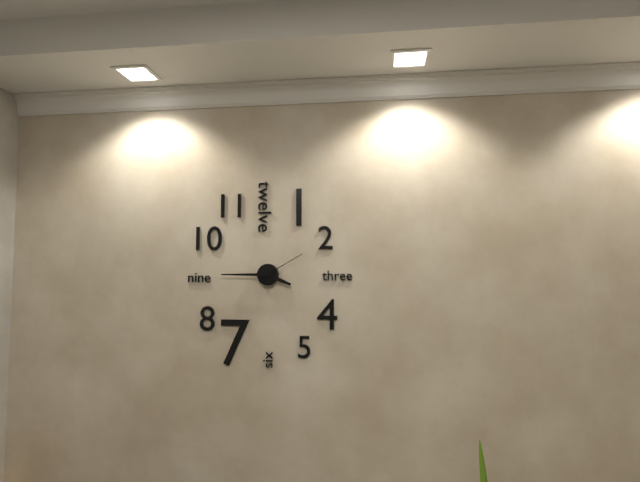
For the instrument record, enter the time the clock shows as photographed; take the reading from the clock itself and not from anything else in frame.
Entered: 3:45:10
